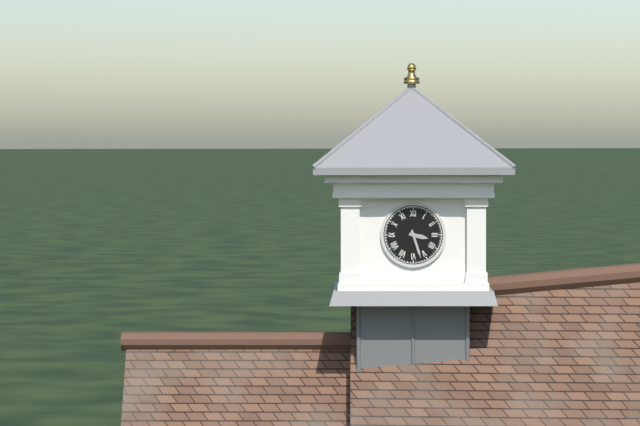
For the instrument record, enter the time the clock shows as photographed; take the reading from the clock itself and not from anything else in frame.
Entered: 3:27
